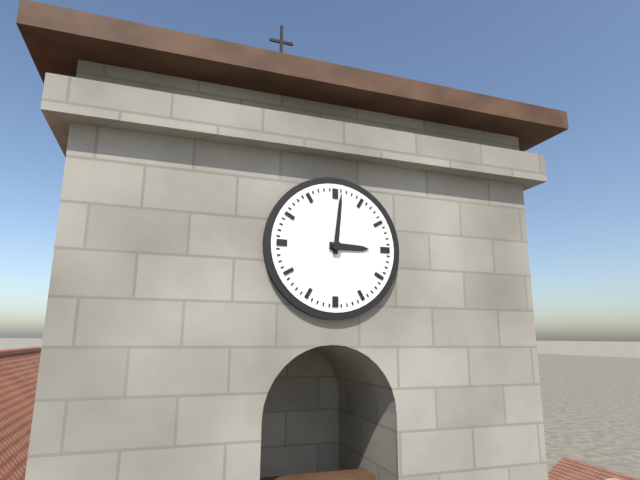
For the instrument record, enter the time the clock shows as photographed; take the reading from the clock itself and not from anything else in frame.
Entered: 3:01
